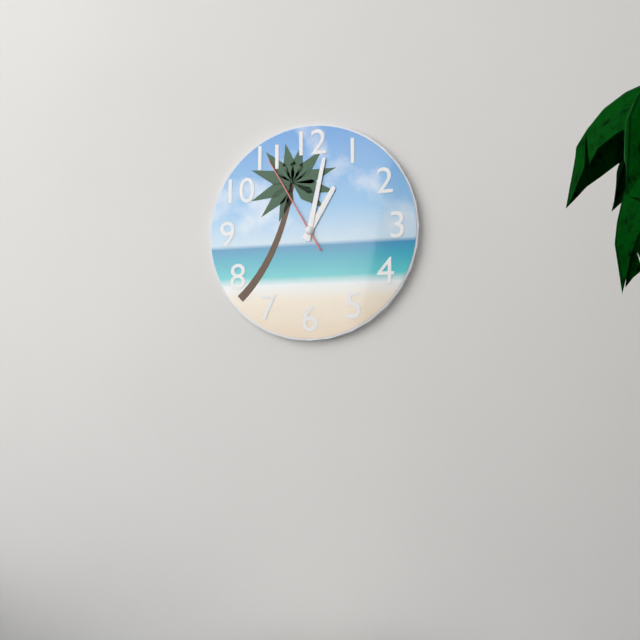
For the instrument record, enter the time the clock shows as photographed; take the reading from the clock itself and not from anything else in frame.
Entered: 1:02:55
